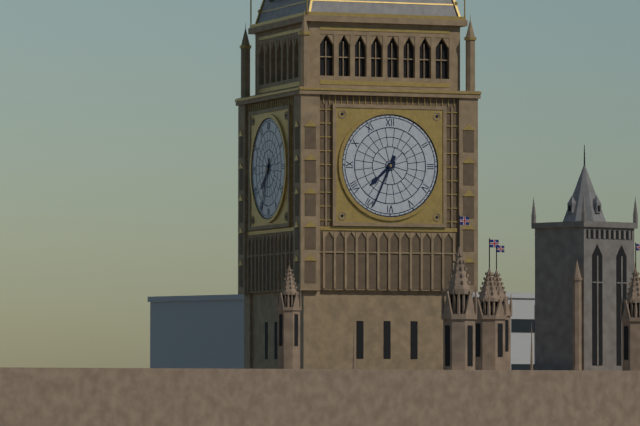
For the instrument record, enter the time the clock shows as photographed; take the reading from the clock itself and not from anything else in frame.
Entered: 7:34
